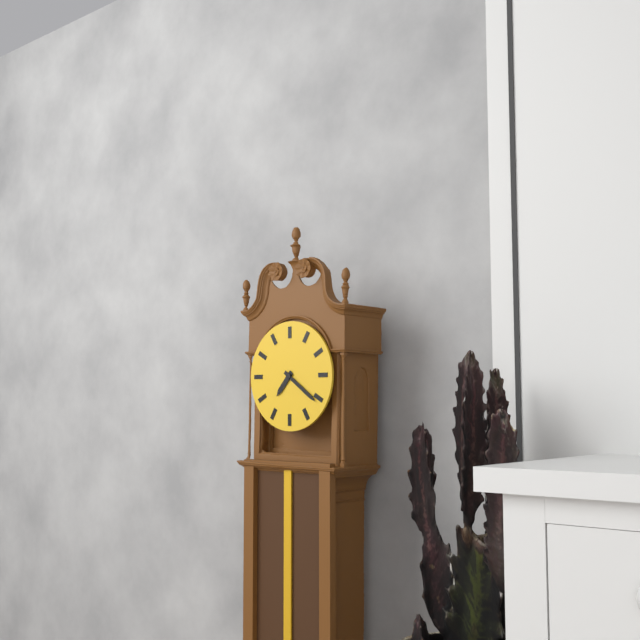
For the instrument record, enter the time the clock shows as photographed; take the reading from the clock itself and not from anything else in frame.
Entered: 7:21
